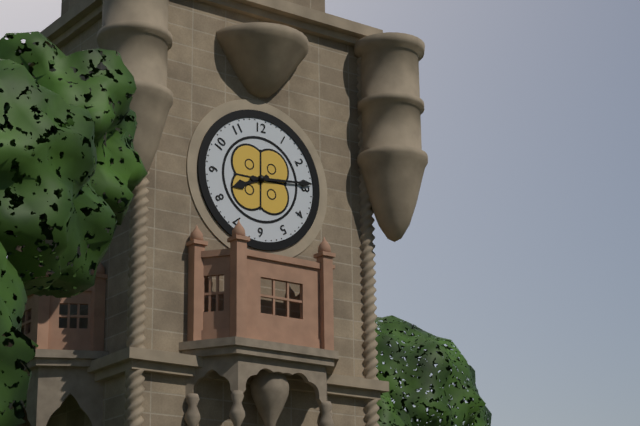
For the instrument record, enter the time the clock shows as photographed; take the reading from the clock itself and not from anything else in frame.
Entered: 8:14
